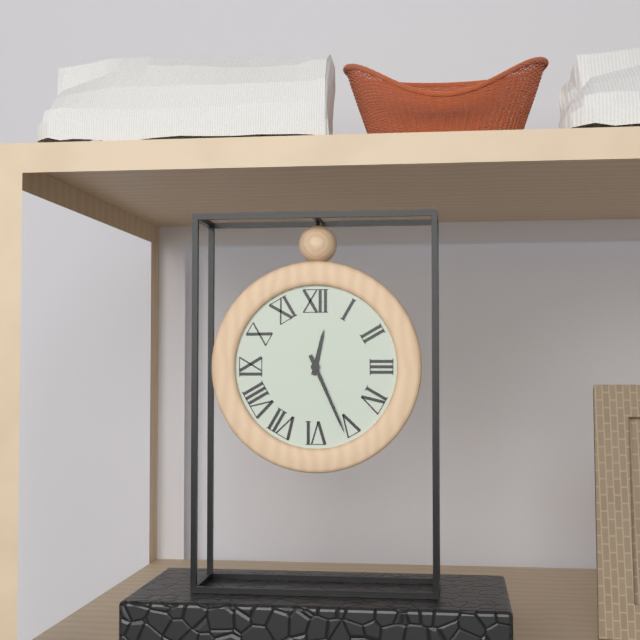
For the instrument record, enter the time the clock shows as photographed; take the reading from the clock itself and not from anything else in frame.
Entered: 12:26
